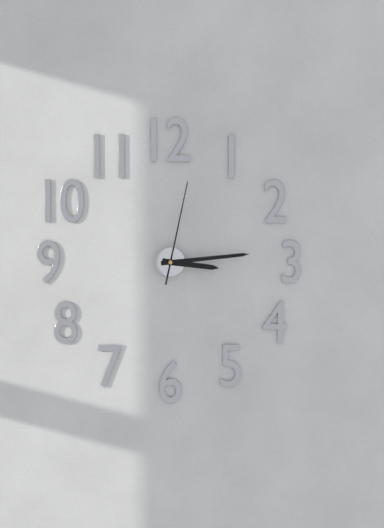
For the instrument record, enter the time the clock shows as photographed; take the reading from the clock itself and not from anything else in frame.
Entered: 3:14:02
